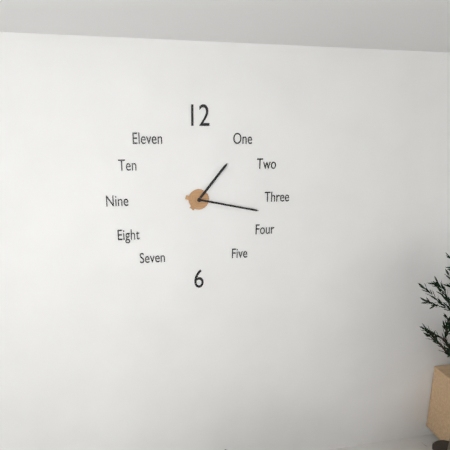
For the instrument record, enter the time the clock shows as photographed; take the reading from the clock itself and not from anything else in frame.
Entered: 1:17
